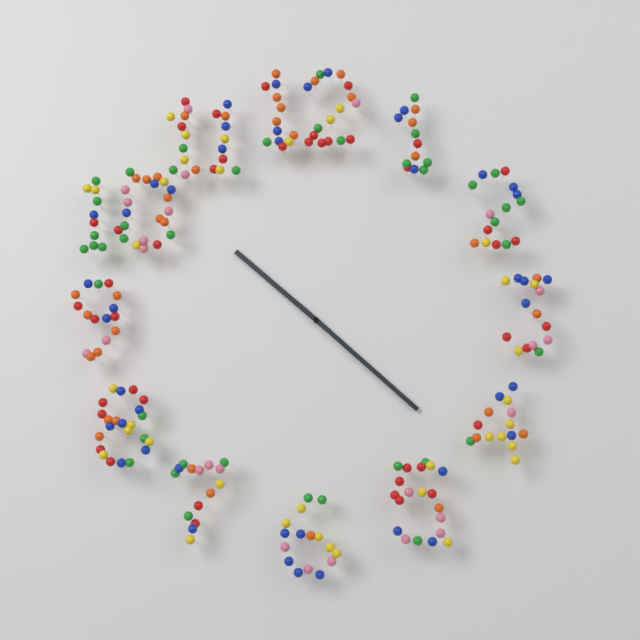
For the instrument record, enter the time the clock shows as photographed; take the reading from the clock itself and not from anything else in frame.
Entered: 10:22
